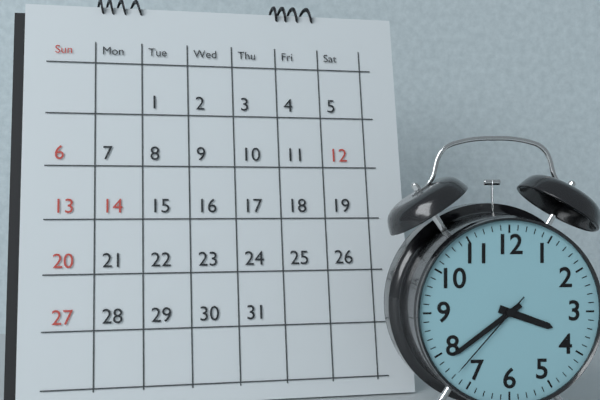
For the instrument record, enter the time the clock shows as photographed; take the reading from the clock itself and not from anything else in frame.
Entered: 3:39:37
